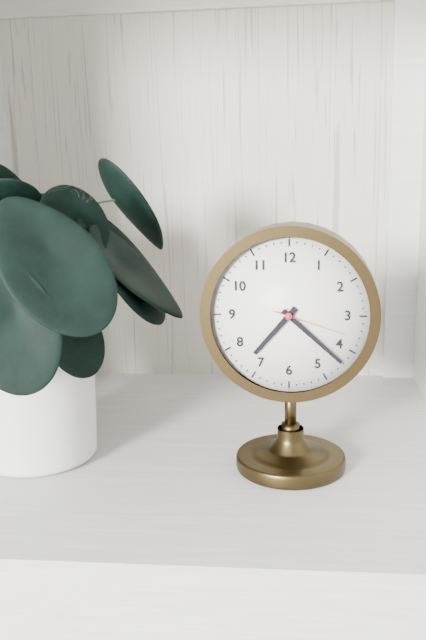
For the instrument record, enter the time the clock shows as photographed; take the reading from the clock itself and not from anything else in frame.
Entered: 7:22:18
